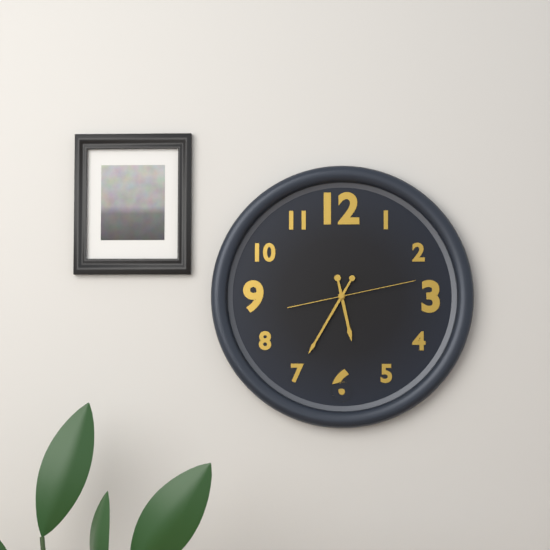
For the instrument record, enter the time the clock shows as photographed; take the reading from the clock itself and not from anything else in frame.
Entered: 5:35:13
